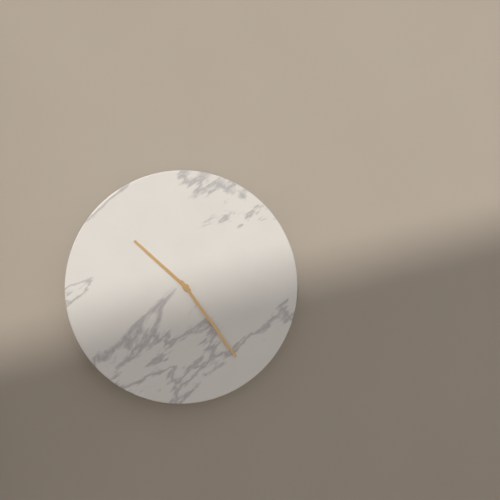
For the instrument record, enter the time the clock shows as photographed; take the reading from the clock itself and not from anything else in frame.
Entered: 10:24
